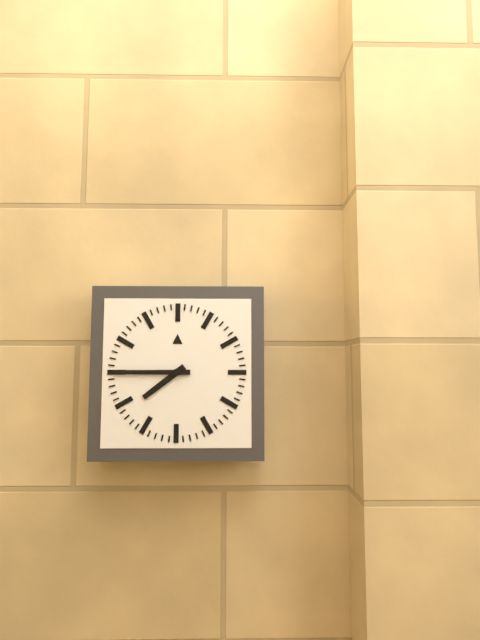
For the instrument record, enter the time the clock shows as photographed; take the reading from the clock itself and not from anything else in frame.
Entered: 7:45
